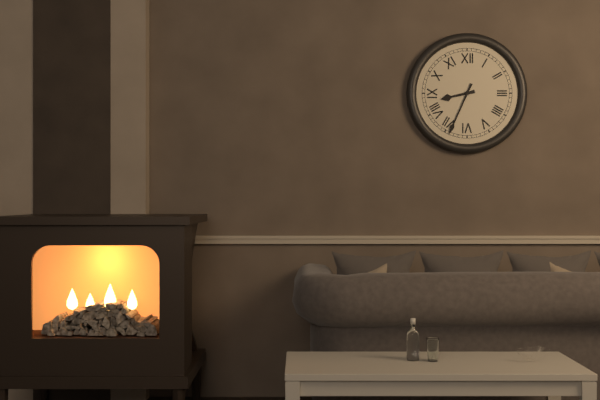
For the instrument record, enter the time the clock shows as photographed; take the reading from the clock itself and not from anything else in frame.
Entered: 8:34
